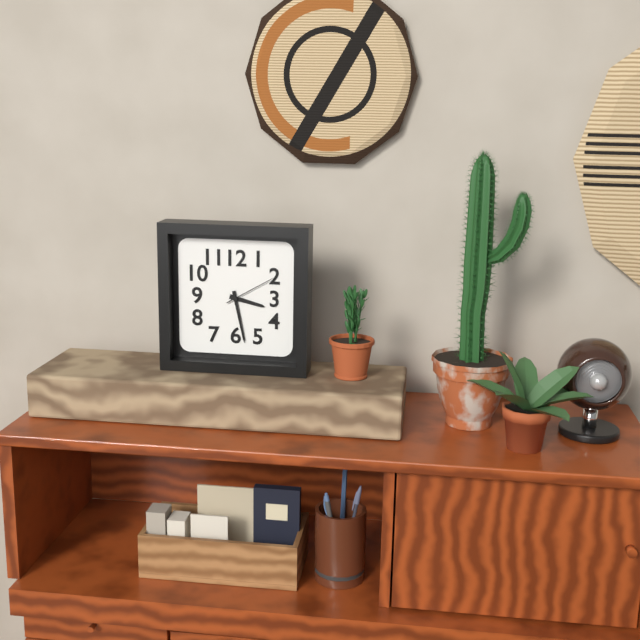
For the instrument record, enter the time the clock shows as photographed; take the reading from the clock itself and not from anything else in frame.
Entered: 3:28:10
